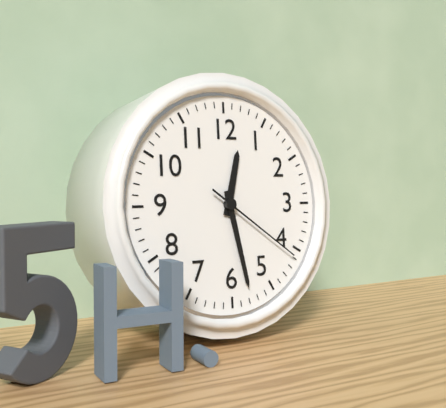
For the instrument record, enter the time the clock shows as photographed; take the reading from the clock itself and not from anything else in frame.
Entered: 12:28:21
